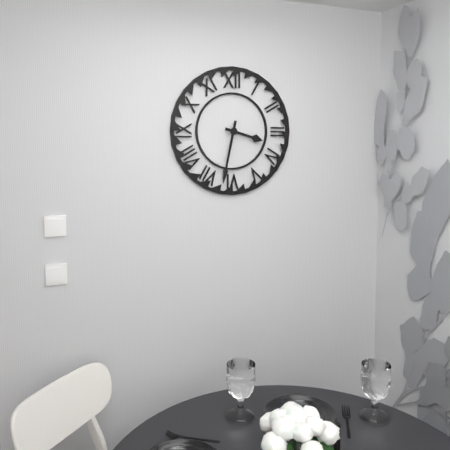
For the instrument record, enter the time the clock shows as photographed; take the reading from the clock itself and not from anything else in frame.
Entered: 3:32
